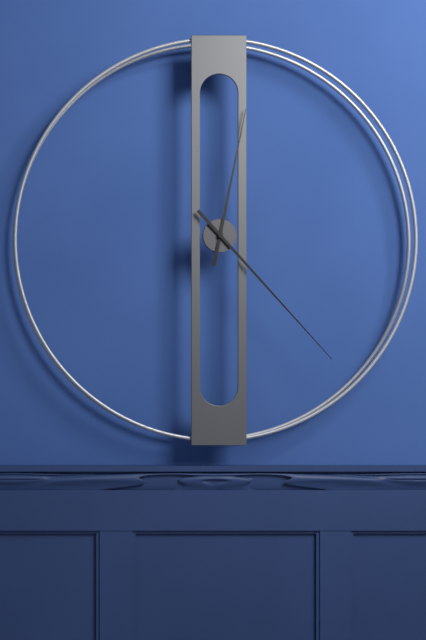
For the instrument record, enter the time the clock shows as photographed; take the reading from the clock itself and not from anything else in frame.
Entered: 12:23
